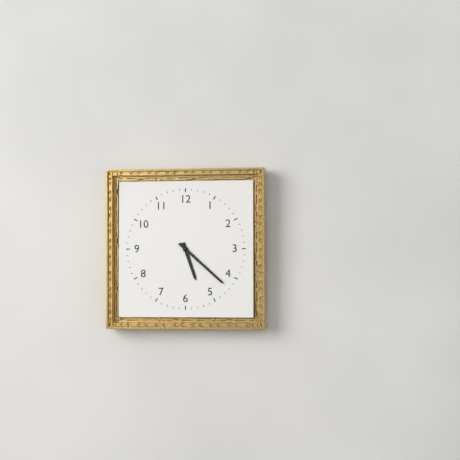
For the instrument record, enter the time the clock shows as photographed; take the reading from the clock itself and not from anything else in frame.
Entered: 5:22
